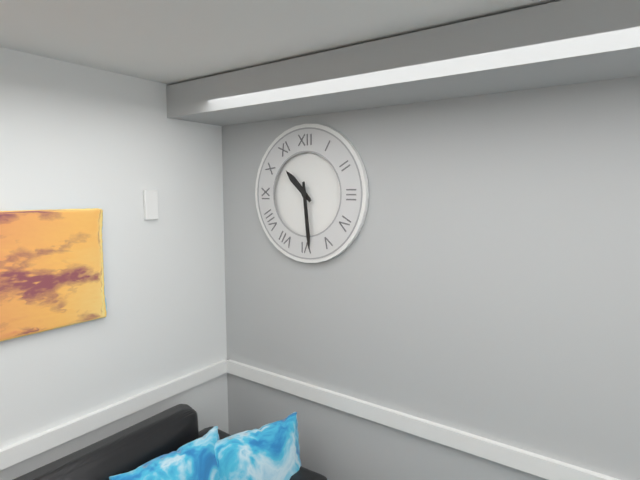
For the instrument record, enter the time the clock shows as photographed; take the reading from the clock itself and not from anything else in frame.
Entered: 10:29
